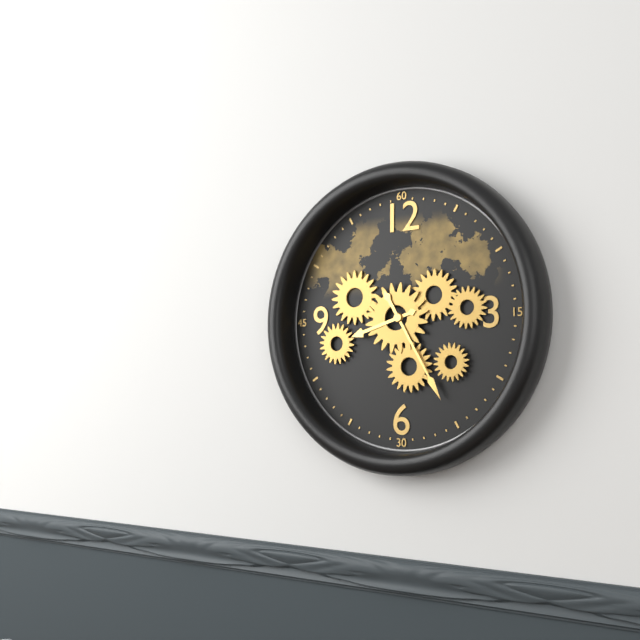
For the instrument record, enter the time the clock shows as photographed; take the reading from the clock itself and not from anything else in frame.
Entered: 8:25
